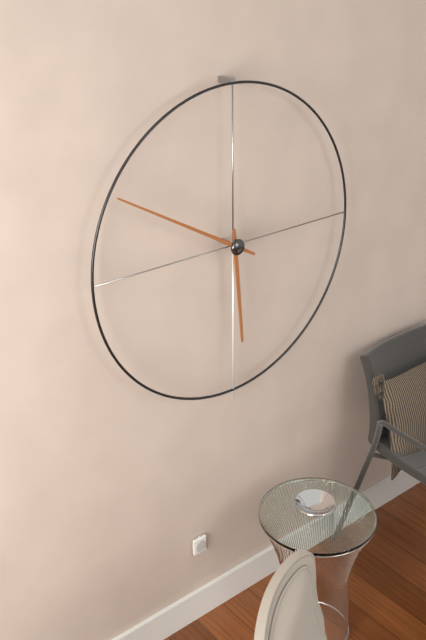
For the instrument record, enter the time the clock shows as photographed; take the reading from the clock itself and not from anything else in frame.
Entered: 5:50
